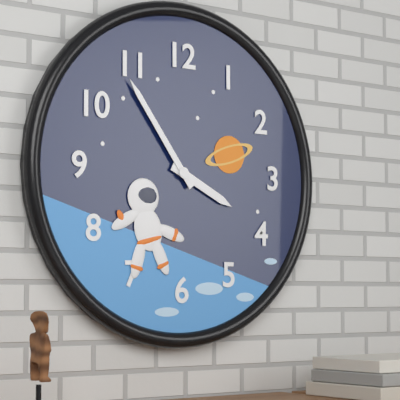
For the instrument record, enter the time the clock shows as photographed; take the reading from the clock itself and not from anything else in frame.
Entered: 3:54
